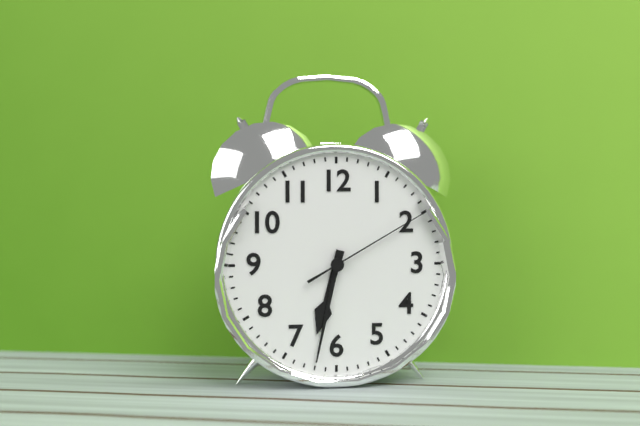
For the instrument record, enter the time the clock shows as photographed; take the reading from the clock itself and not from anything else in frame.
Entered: 6:32:10
